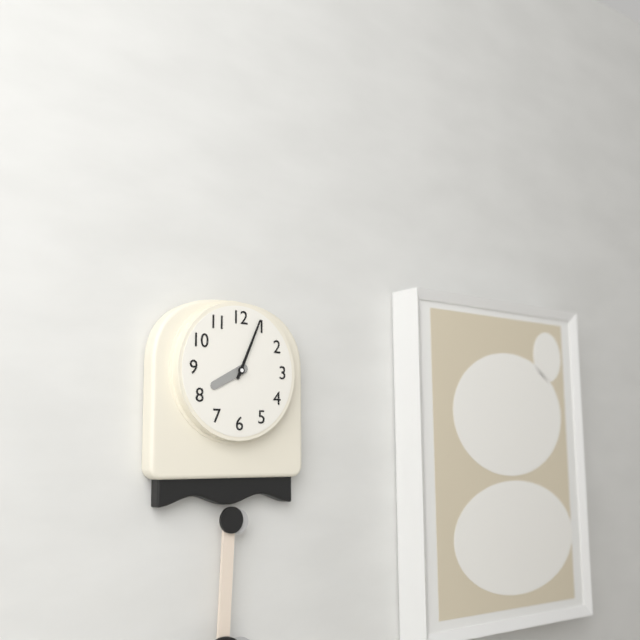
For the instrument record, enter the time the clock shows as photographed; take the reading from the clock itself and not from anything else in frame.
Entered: 8:04
